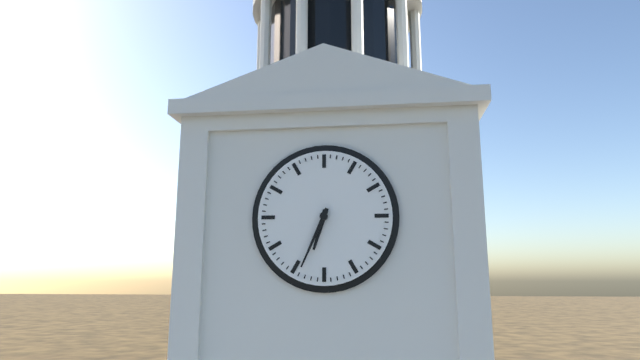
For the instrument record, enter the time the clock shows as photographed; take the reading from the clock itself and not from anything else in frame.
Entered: 6:34
